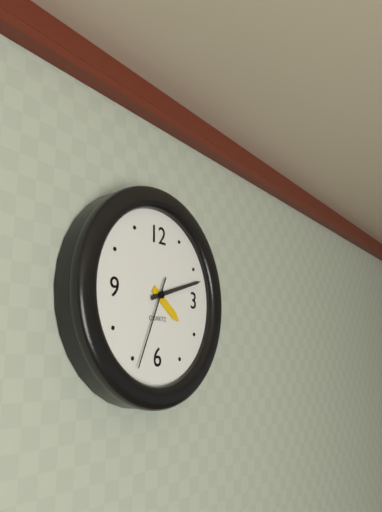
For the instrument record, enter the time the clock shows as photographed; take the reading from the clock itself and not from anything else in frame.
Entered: 4:12:34
